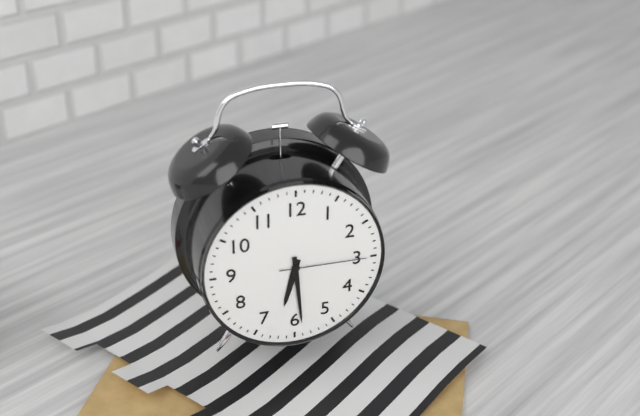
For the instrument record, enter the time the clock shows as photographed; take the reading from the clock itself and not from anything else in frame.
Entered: 6:29:15
